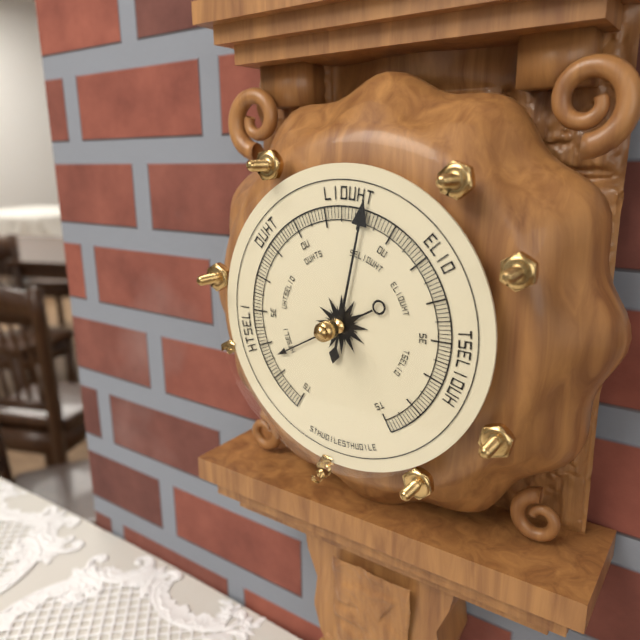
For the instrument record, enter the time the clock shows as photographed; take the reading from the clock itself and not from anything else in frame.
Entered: 8:02
